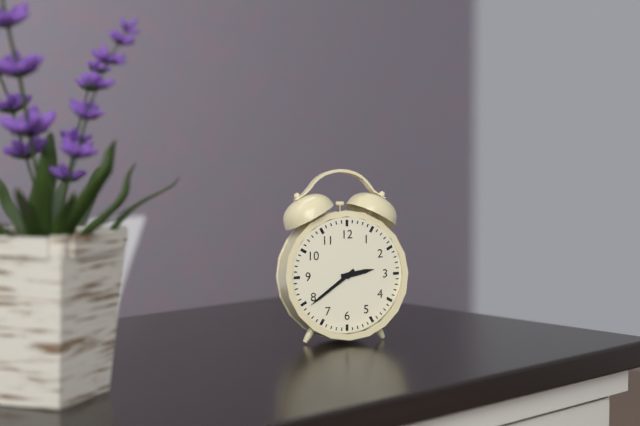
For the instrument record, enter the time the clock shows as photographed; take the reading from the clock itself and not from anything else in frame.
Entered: 2:39
